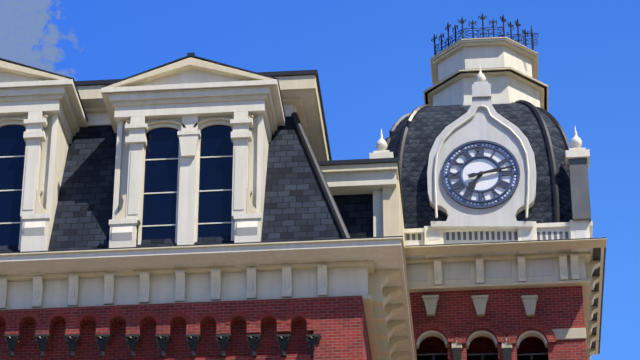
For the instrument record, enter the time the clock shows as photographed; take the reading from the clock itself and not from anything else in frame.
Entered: 7:13
